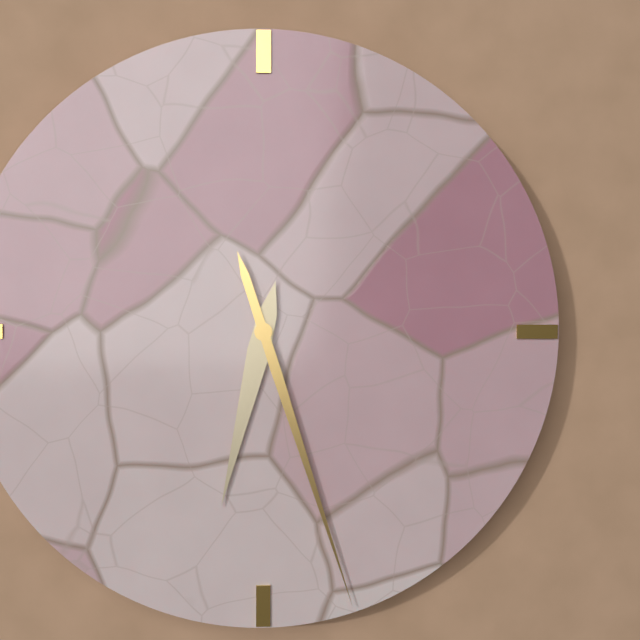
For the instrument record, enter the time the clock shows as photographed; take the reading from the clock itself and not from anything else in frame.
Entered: 6:27
